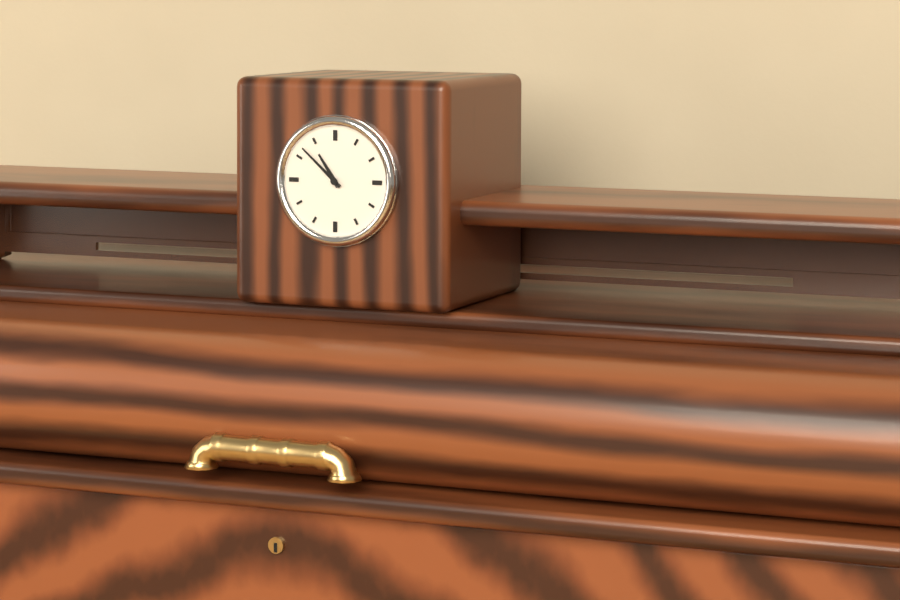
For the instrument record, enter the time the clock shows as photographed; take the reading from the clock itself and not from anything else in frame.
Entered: 10:52
